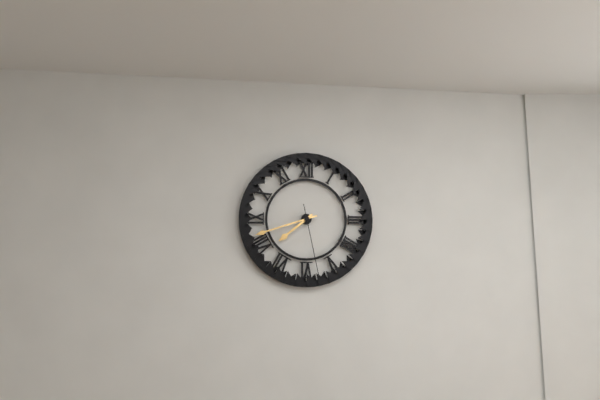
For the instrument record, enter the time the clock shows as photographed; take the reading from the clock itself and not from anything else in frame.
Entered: 7:42:28
